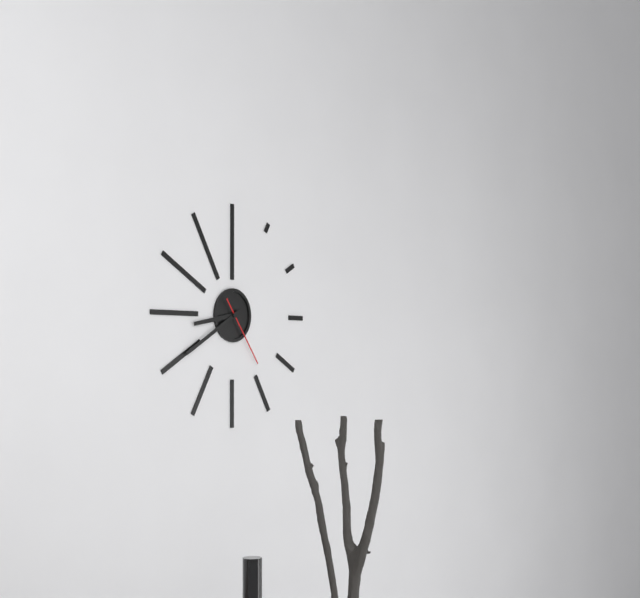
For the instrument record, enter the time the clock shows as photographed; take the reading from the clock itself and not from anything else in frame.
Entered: 8:40:24
